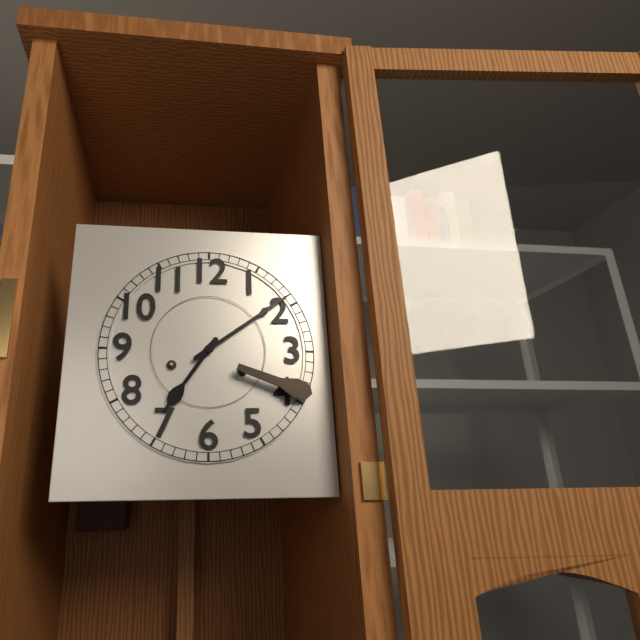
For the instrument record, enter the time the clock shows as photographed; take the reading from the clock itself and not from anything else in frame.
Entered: 7:09
